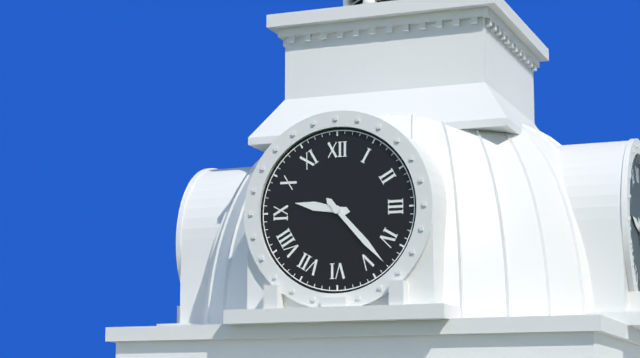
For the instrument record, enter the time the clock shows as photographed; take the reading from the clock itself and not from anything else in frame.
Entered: 9:23
